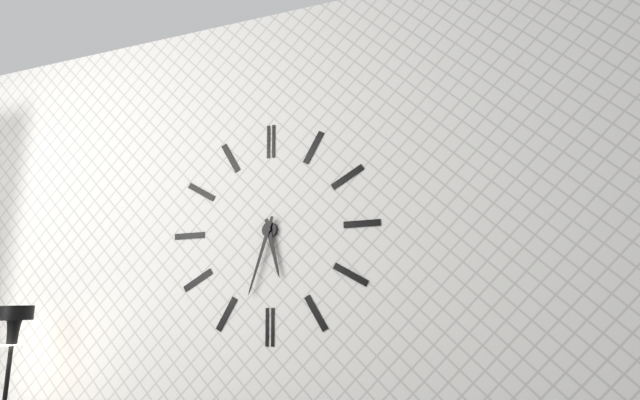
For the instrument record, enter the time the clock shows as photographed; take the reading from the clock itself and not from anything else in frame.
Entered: 5:33
